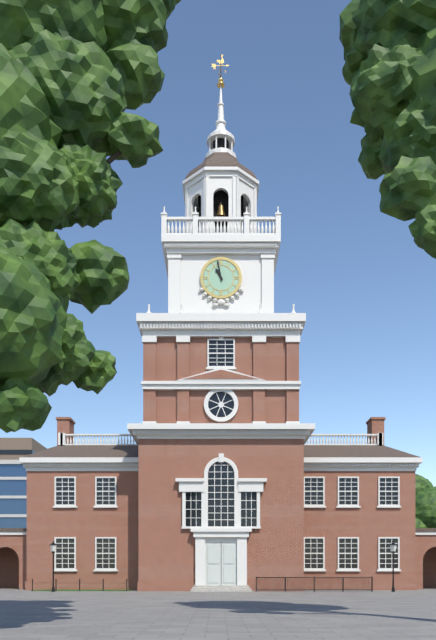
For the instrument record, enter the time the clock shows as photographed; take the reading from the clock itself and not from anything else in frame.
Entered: 10:58
